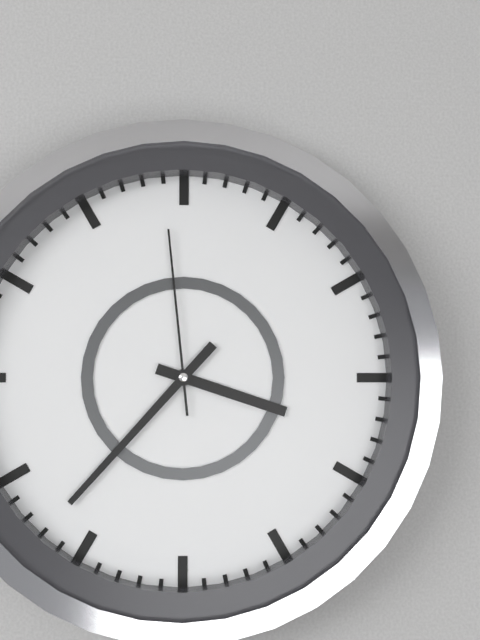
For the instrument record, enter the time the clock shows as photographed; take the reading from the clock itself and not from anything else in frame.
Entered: 3:37:59
